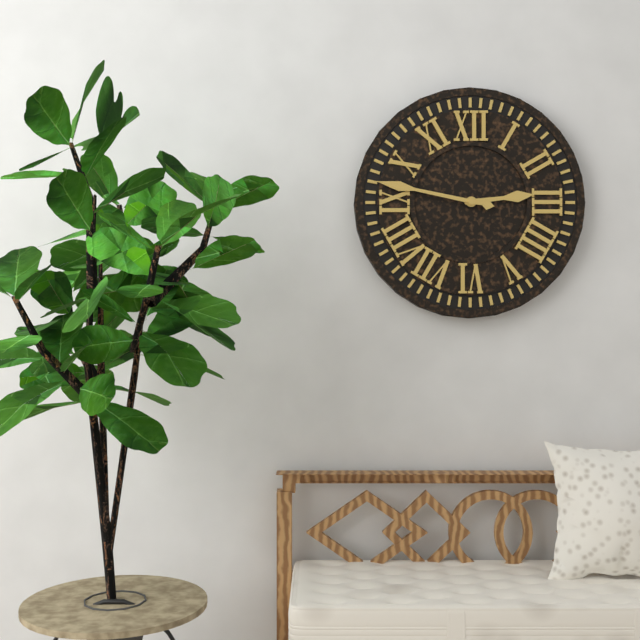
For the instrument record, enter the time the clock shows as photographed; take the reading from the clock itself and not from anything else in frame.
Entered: 2:47
